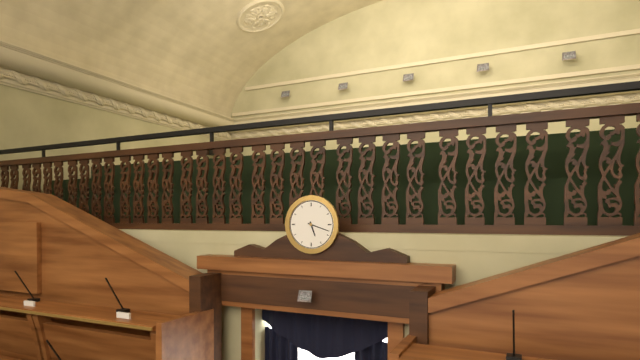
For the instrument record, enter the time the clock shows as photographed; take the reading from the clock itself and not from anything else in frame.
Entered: 5:18
